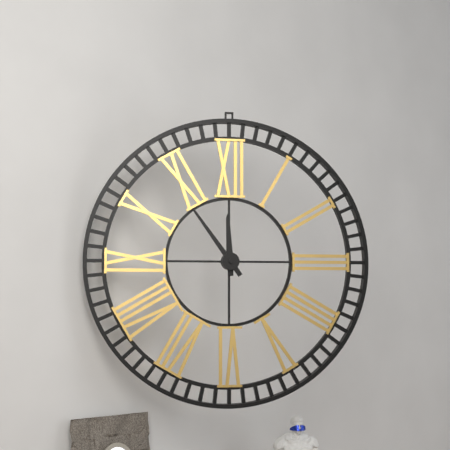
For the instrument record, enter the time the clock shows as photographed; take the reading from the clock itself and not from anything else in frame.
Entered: 11:54
